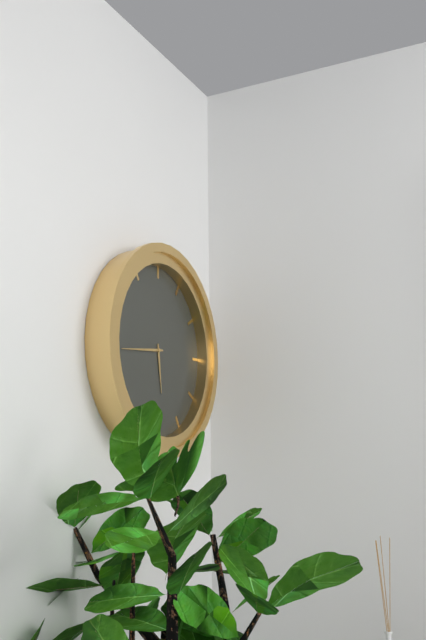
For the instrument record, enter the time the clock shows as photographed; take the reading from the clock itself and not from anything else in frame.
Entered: 5:44
